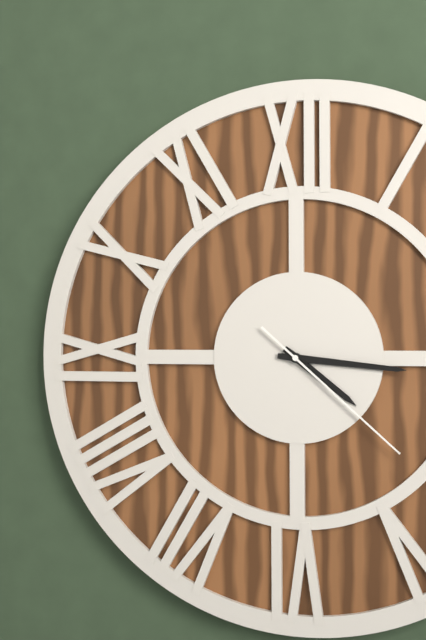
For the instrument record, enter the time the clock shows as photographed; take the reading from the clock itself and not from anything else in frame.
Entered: 4:16:22
